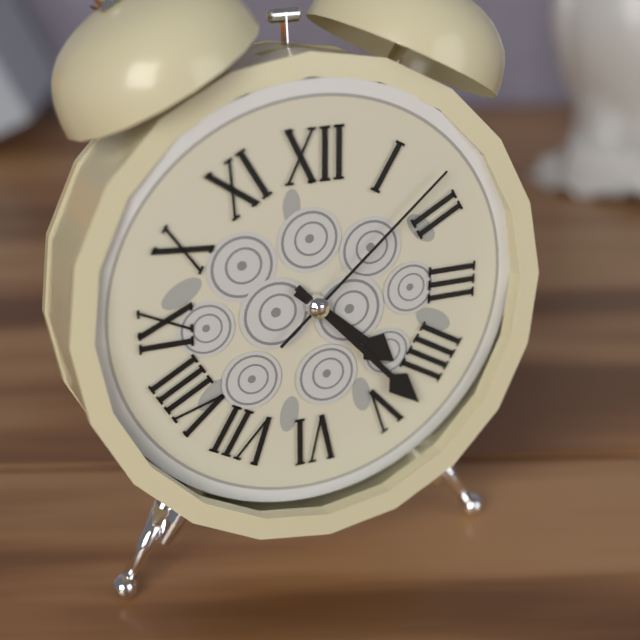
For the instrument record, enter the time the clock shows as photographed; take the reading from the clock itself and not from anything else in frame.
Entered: 4:23:08
